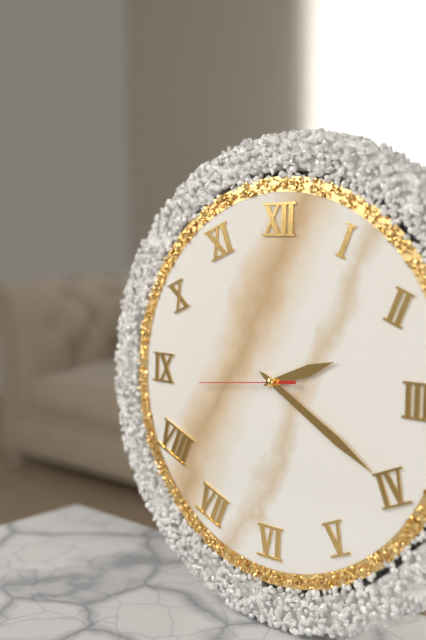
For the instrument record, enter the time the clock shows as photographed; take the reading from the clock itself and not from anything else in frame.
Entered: 2:20:44
